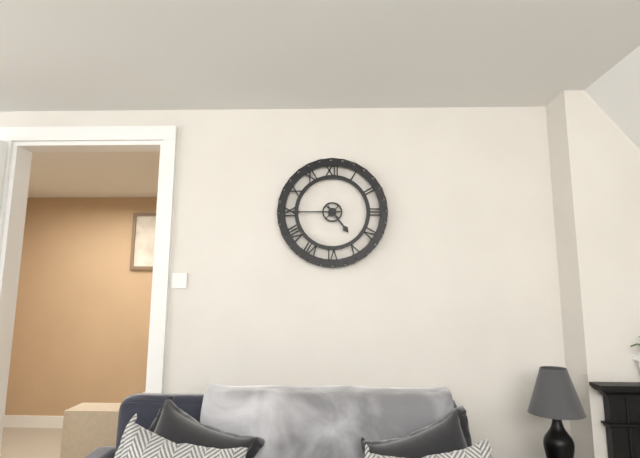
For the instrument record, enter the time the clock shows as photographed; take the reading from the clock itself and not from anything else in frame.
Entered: 4:45
